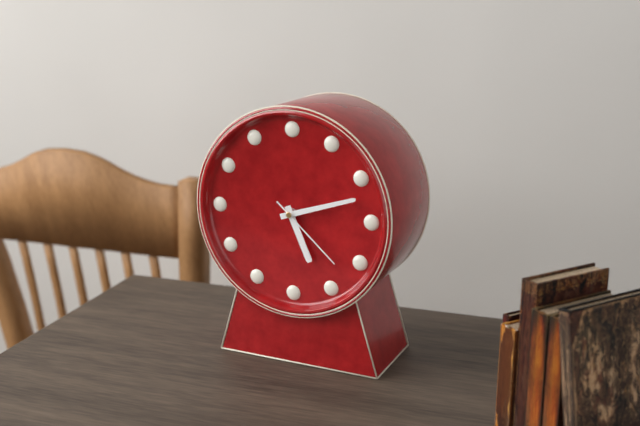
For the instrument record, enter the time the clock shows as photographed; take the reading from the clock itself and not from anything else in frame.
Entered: 5:12:22
